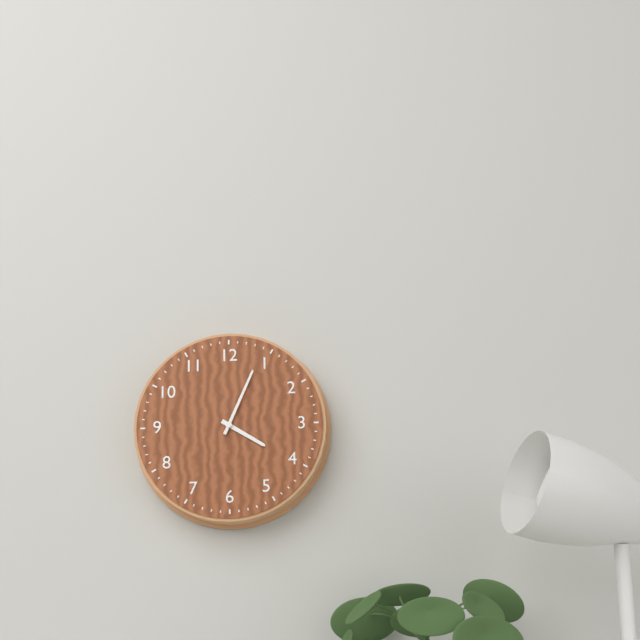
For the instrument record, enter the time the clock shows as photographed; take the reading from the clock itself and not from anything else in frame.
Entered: 4:04
